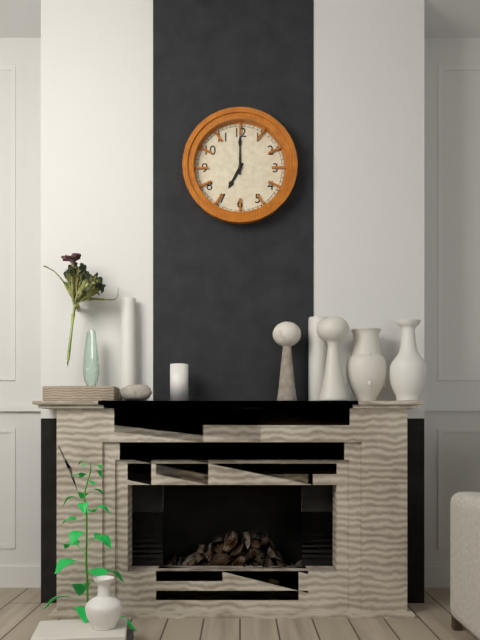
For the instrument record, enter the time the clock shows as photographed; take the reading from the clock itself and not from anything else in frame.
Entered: 7:00
